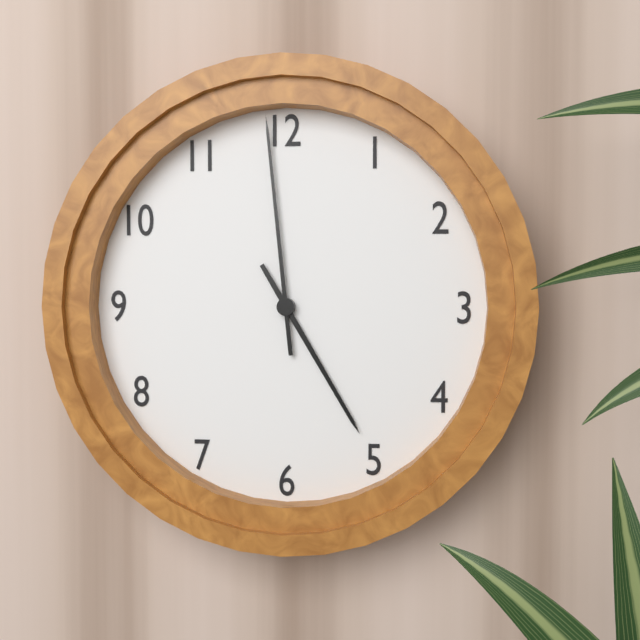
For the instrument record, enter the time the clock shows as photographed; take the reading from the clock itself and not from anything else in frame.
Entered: 4:59
